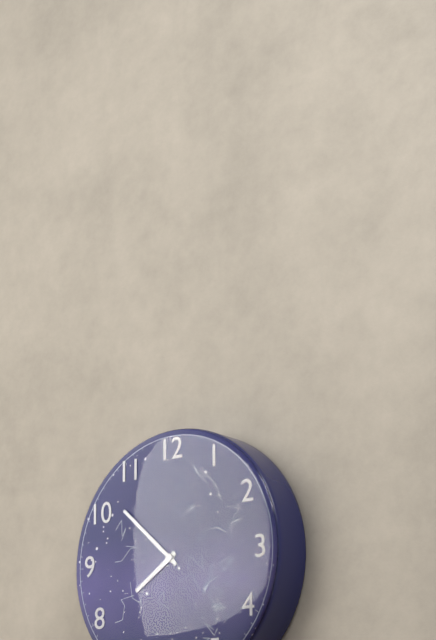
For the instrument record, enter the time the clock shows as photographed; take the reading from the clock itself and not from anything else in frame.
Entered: 7:52
